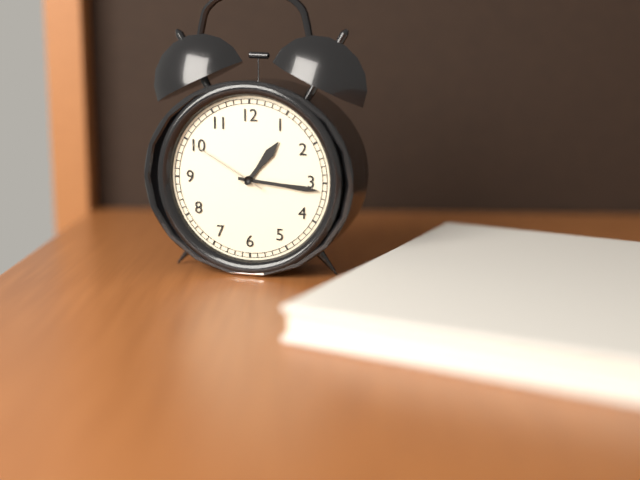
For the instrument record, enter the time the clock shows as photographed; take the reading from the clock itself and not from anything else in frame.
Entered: 1:16:50
